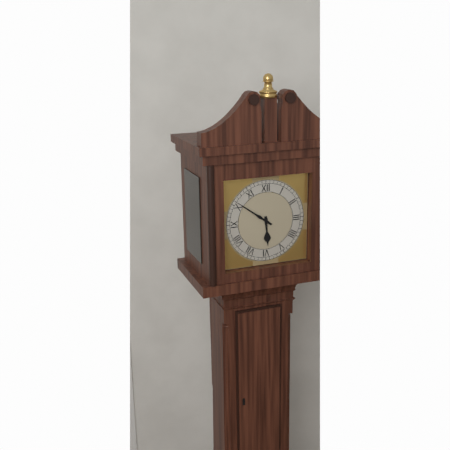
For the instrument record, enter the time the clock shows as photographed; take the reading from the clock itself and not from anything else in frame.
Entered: 5:51
